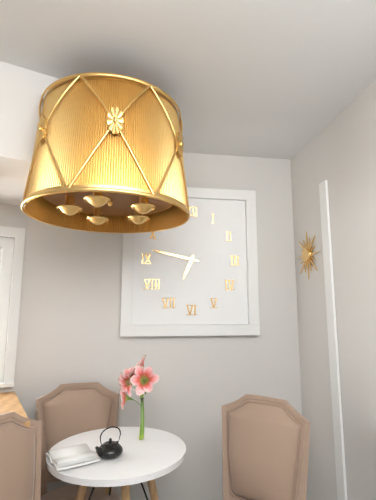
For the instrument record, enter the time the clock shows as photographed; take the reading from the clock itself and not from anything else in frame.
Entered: 6:47
